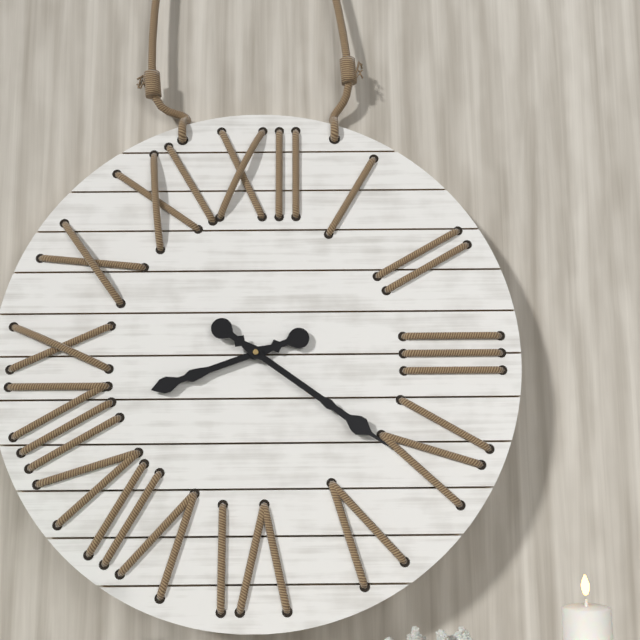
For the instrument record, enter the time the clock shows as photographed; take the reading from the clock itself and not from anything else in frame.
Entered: 8:21
